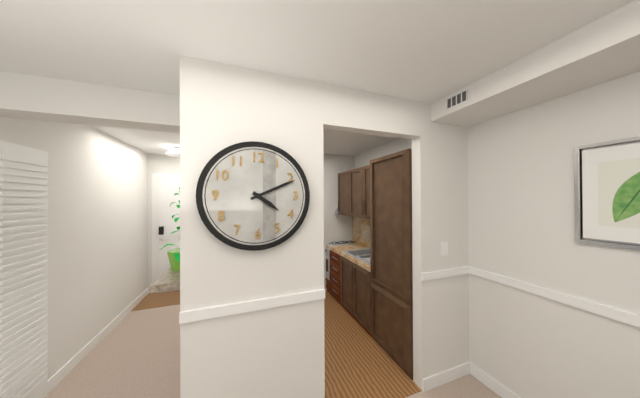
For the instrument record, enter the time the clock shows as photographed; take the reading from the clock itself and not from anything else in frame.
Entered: 4:11
